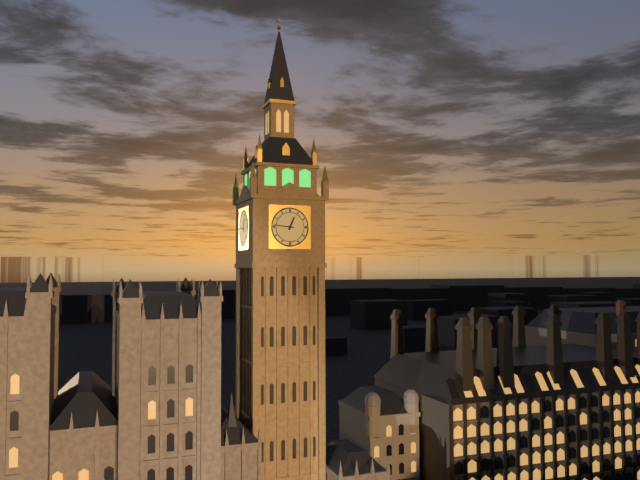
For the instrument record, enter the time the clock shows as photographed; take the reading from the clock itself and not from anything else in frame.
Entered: 12:46
